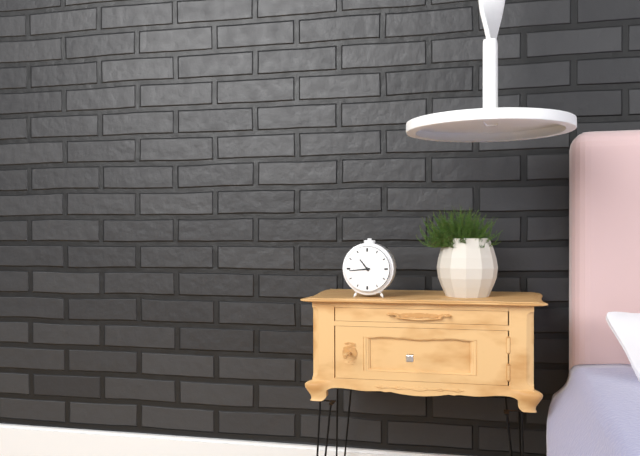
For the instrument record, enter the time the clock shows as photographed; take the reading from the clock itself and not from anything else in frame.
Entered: 10:44
